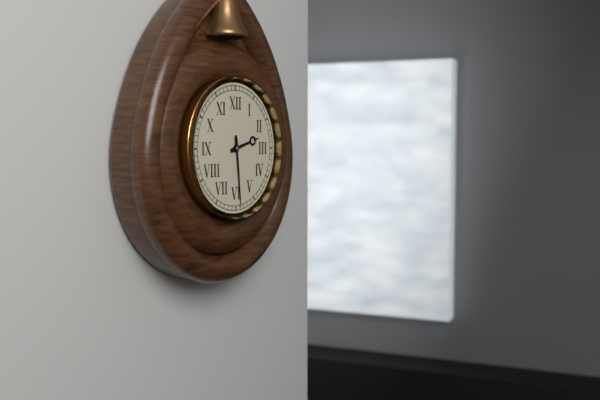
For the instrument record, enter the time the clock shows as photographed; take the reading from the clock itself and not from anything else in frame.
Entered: 2:29
